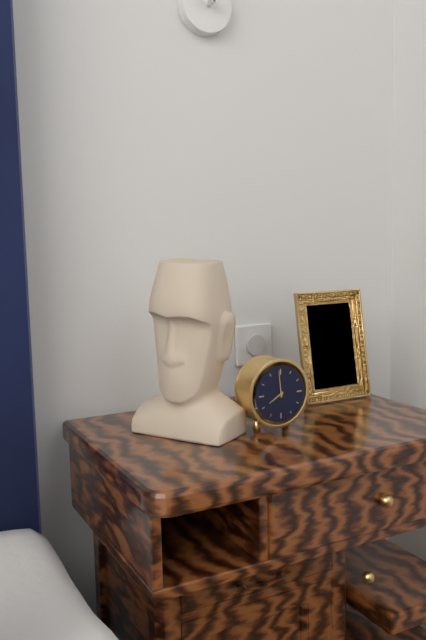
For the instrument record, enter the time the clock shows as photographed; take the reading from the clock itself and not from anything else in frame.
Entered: 7:59
